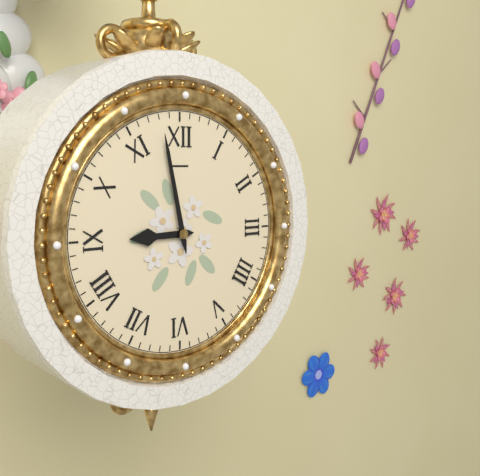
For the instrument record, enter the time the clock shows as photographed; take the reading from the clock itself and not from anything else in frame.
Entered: 8:58
